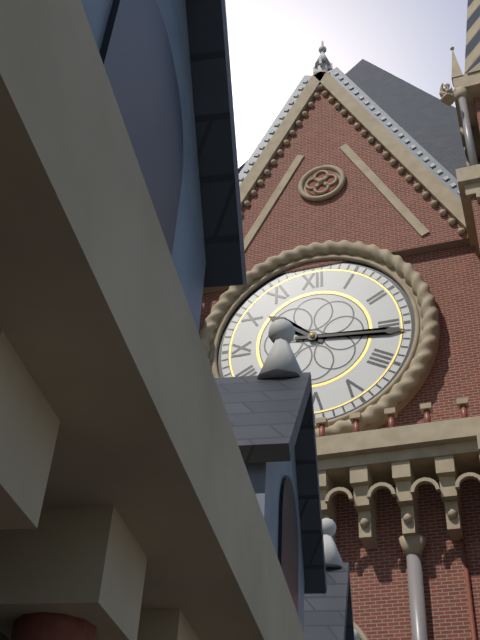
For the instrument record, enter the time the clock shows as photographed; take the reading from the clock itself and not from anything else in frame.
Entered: 10:16
